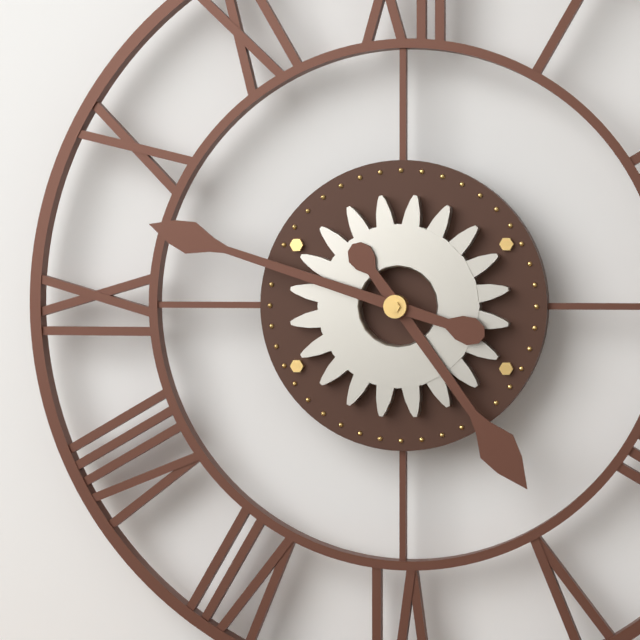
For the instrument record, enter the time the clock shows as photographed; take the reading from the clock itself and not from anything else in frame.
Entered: 4:48
